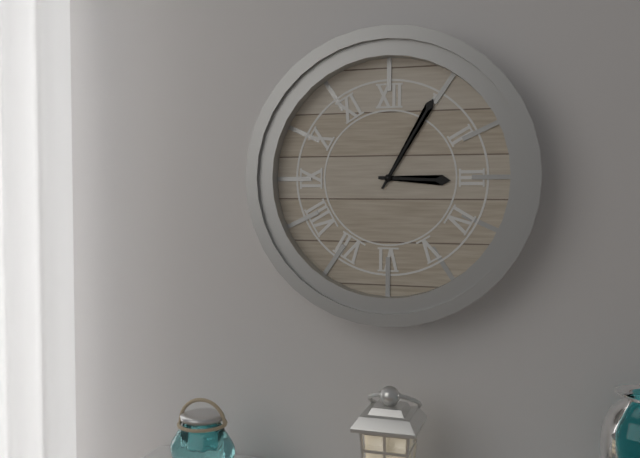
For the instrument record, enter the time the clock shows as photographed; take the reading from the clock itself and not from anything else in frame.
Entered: 3:05
